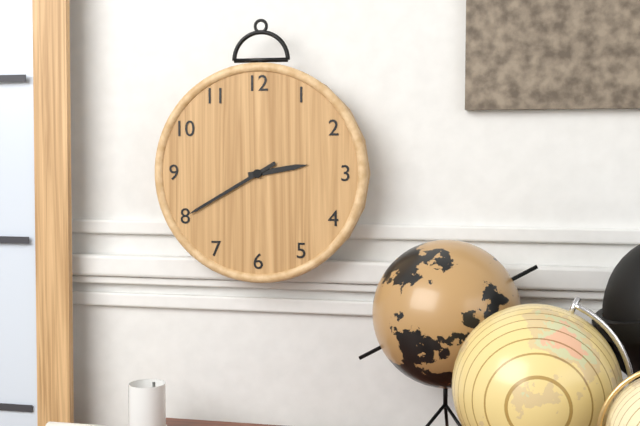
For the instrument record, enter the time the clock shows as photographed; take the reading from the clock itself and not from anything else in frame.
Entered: 2:40
